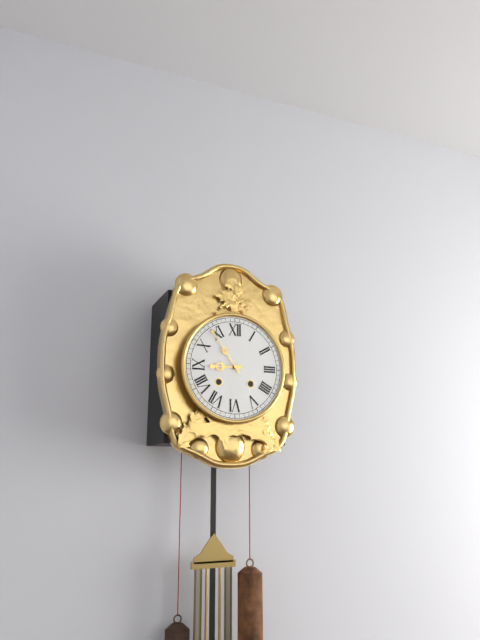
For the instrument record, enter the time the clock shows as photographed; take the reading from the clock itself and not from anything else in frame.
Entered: 8:54
